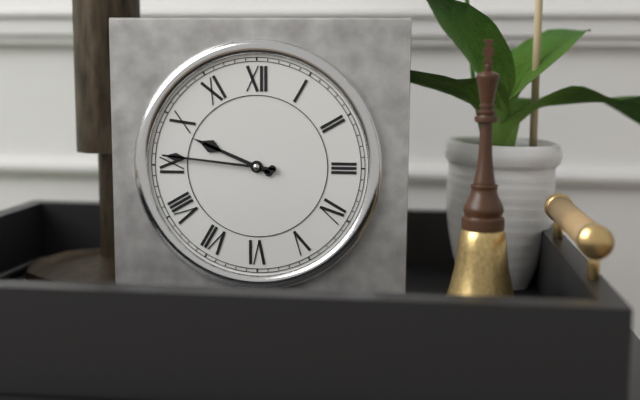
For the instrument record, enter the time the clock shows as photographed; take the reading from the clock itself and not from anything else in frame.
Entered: 9:46
